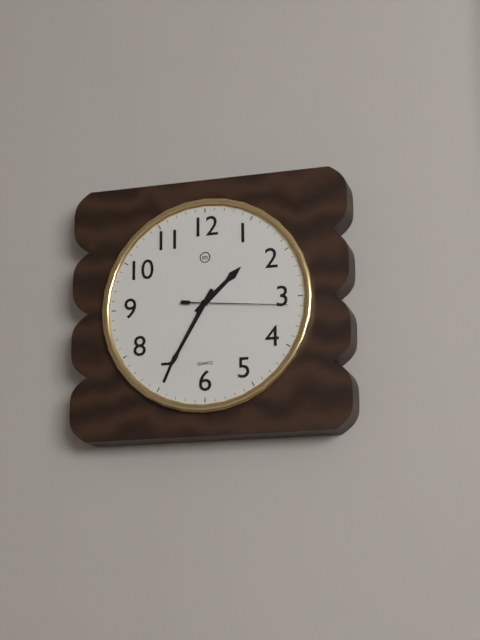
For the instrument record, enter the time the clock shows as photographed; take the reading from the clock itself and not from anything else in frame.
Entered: 1:35:16
